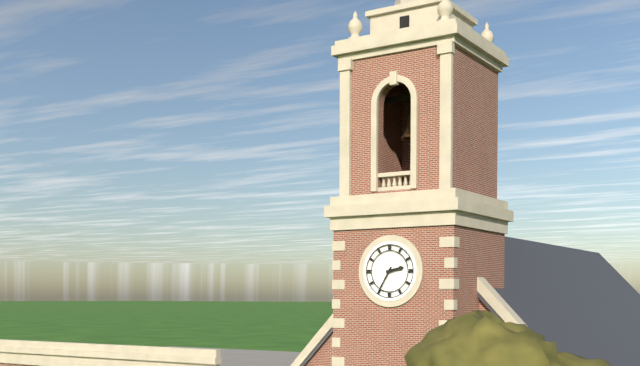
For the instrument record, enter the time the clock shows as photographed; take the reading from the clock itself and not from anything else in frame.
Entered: 2:35
